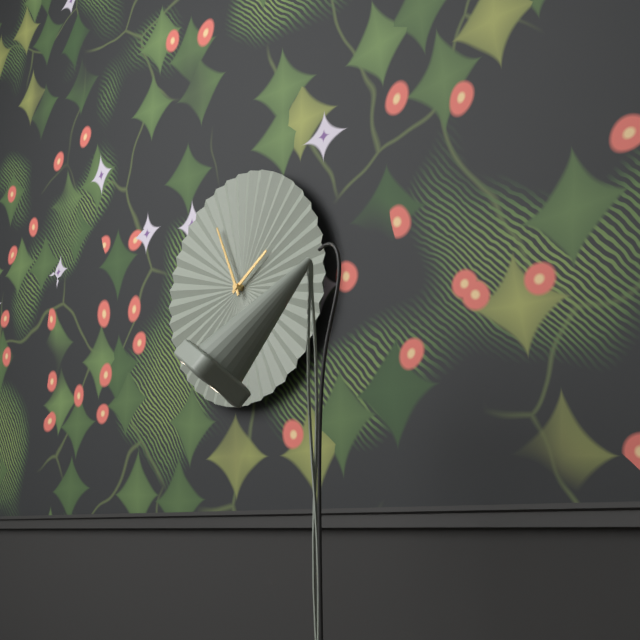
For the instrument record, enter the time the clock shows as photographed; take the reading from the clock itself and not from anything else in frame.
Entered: 1:56
